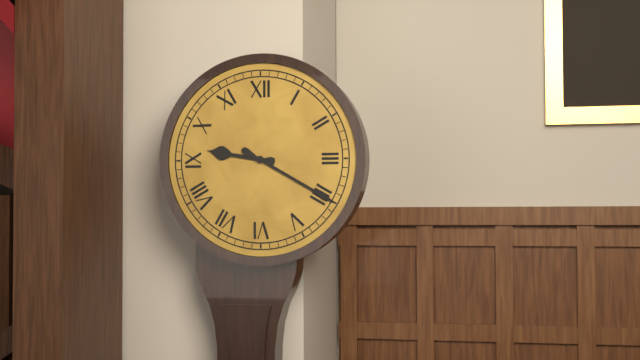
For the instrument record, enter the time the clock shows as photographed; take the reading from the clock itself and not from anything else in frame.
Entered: 9:20
